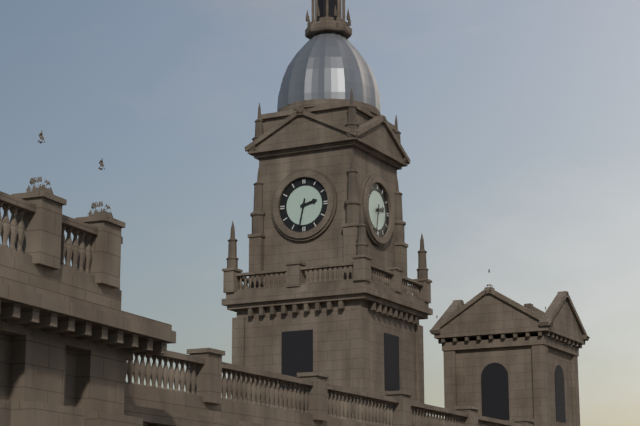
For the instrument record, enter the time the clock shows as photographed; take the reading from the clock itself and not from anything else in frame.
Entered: 2:32
